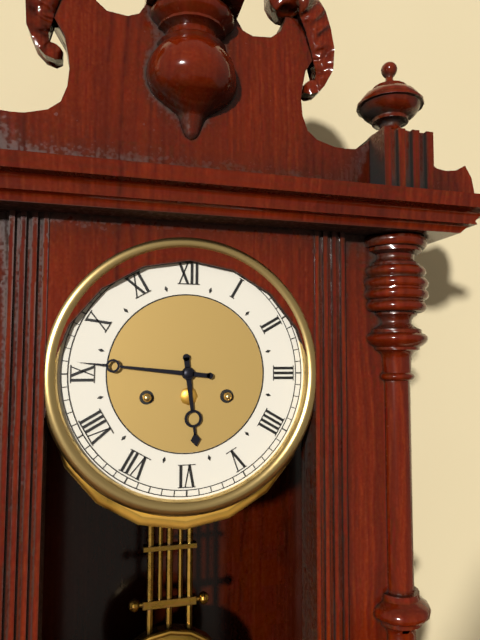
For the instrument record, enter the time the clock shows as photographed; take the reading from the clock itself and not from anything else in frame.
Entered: 5:46
